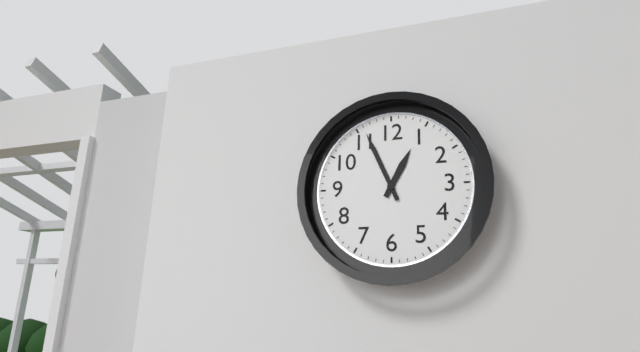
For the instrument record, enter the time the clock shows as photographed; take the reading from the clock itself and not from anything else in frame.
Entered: 12:56
